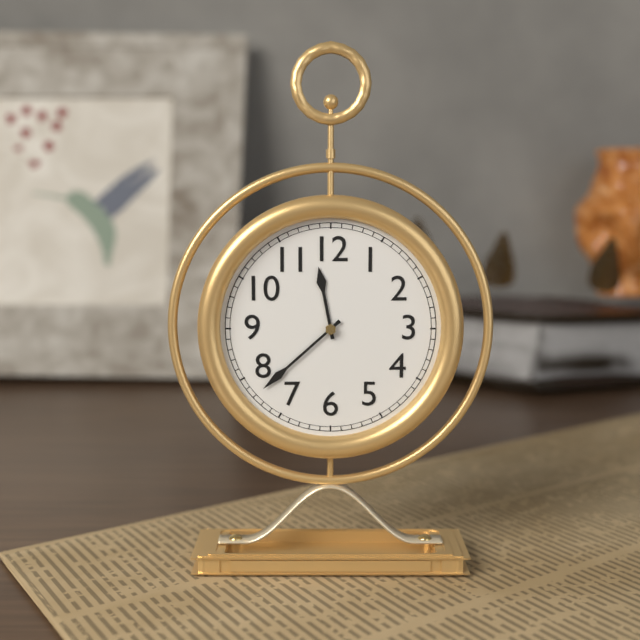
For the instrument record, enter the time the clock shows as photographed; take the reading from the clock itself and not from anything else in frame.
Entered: 11:38
